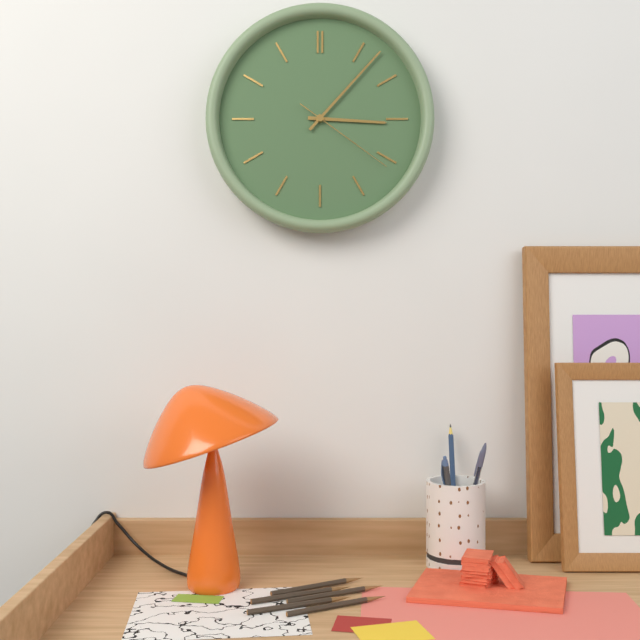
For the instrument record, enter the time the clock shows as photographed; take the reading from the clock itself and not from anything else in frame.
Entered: 3:07:21
